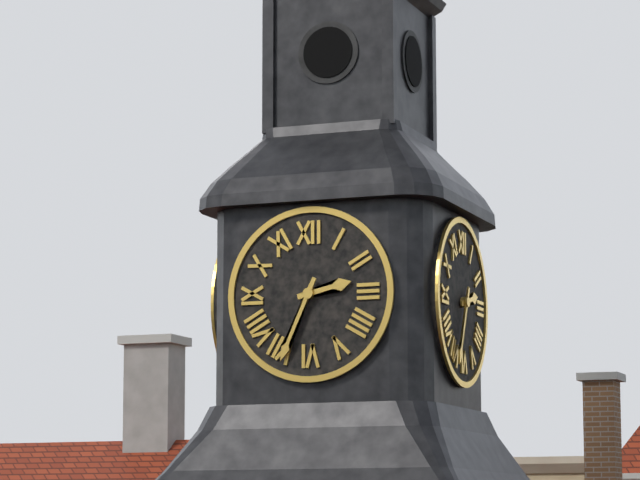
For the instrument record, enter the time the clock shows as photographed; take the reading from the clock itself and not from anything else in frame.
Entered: 2:34
